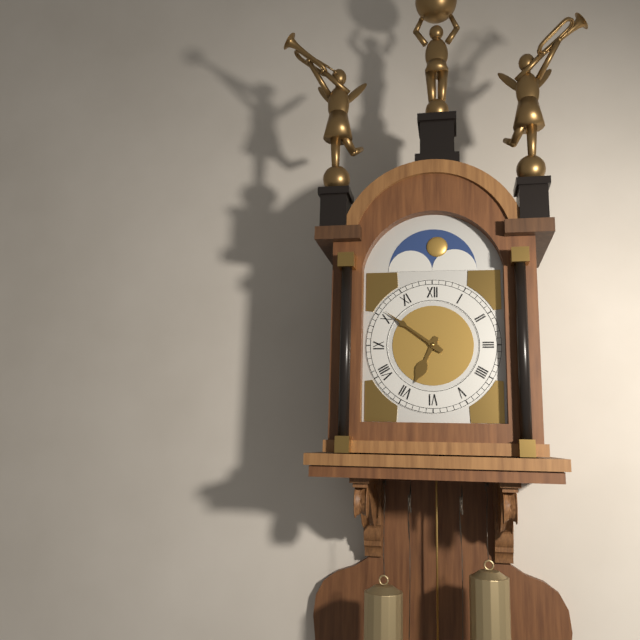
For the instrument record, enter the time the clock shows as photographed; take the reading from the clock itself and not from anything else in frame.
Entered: 6:51
